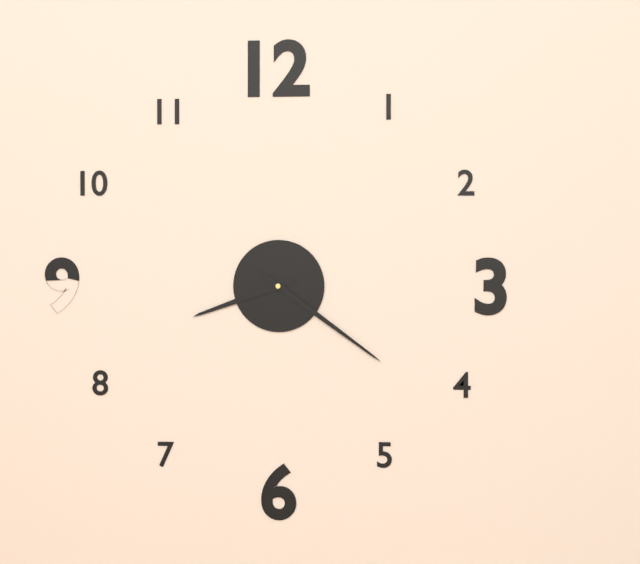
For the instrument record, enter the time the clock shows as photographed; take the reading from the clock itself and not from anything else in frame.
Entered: 8:21
